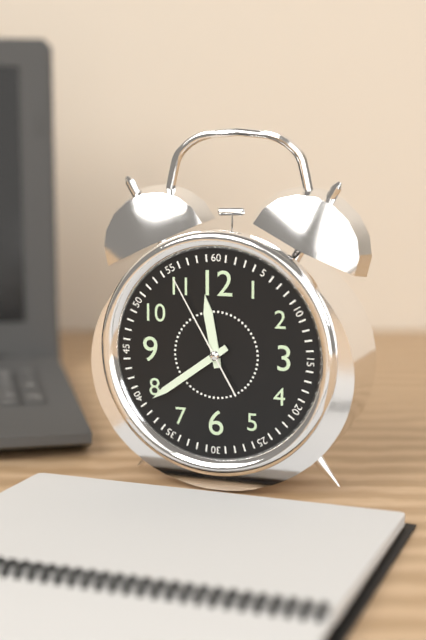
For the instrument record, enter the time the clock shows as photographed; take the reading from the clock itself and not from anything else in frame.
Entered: 11:39:55
